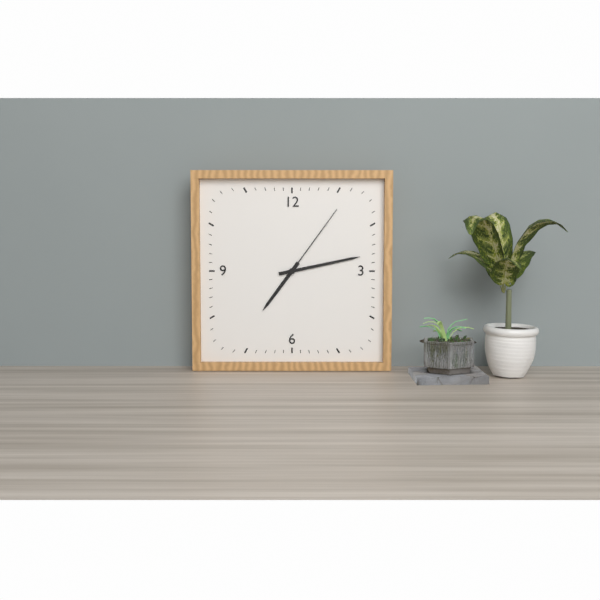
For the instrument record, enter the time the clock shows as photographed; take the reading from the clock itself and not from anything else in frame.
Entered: 7:13:06
